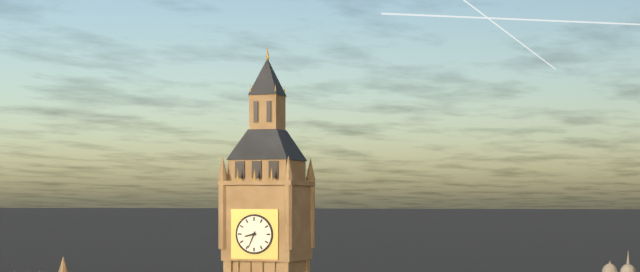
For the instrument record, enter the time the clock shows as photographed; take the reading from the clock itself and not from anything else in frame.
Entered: 8:34
